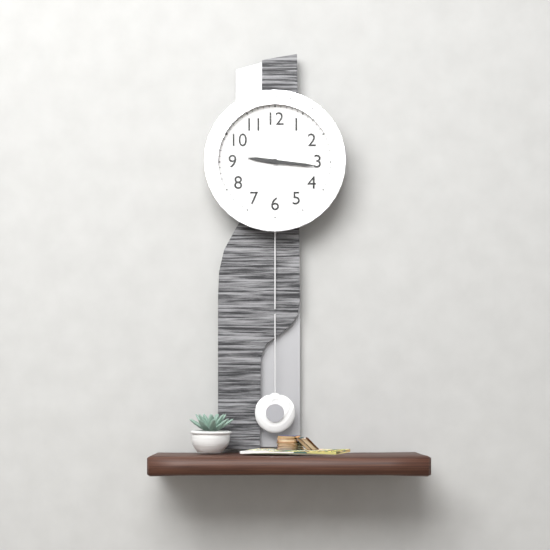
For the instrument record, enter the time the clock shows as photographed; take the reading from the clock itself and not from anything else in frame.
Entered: 9:16
